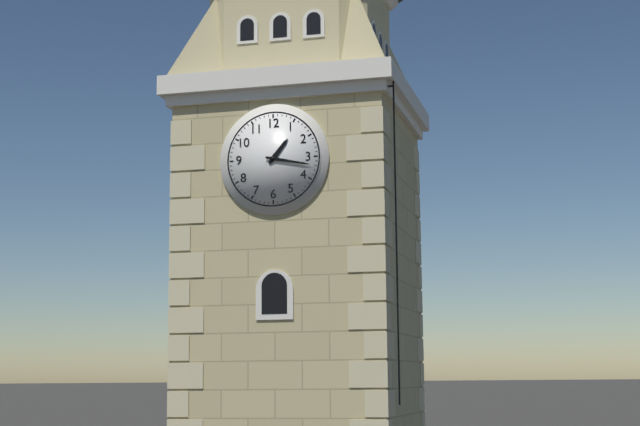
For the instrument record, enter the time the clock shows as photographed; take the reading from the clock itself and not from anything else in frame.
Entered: 1:17
